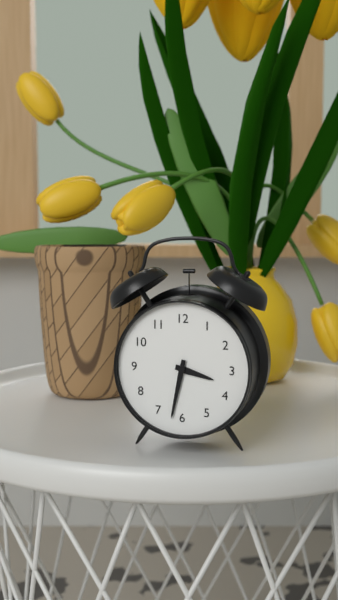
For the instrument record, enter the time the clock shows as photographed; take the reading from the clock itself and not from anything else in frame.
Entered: 3:32
